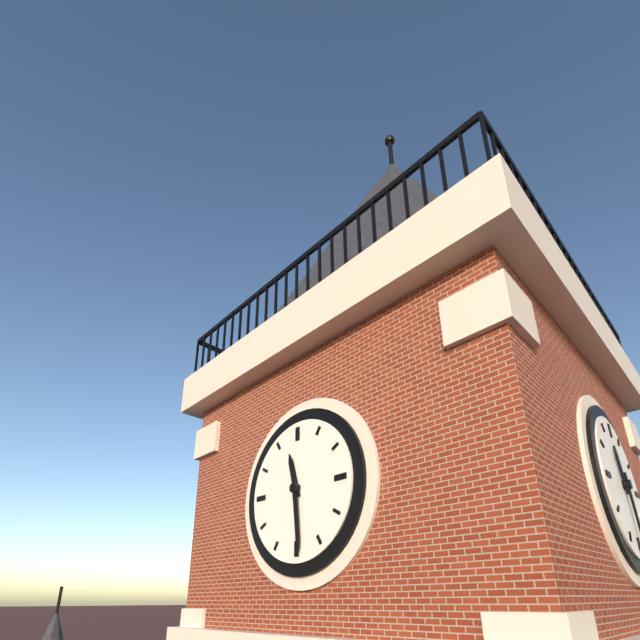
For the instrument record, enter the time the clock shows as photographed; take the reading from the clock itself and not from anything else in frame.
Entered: 11:29
